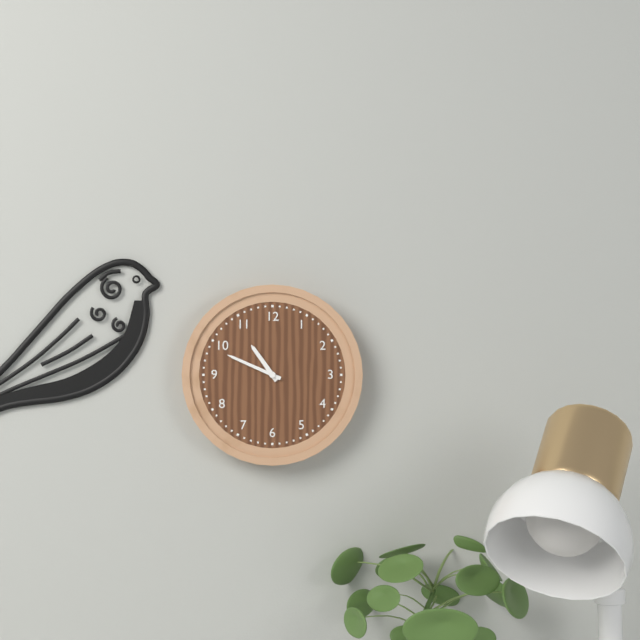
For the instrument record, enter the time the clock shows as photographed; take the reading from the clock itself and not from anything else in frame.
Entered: 10:49
